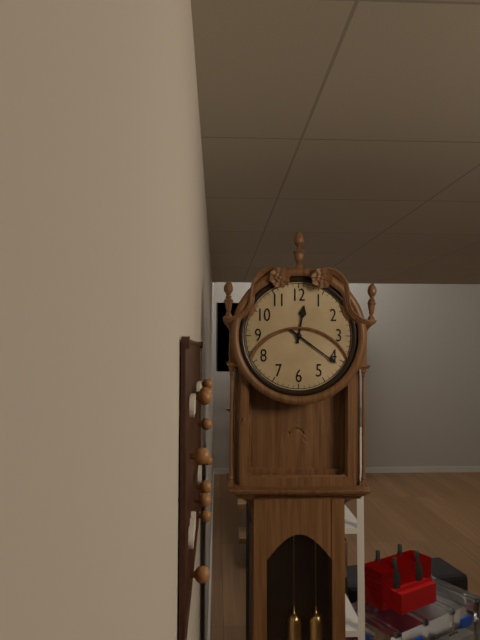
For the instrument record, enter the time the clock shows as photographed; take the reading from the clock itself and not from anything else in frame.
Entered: 12:21
